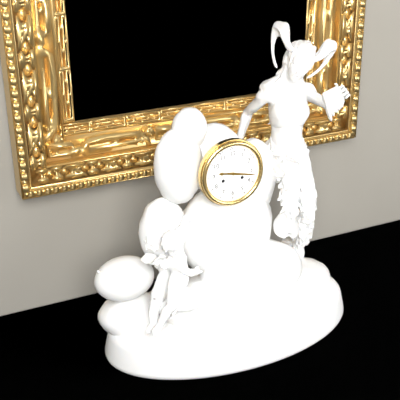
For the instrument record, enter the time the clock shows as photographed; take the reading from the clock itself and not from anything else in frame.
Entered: 9:17
